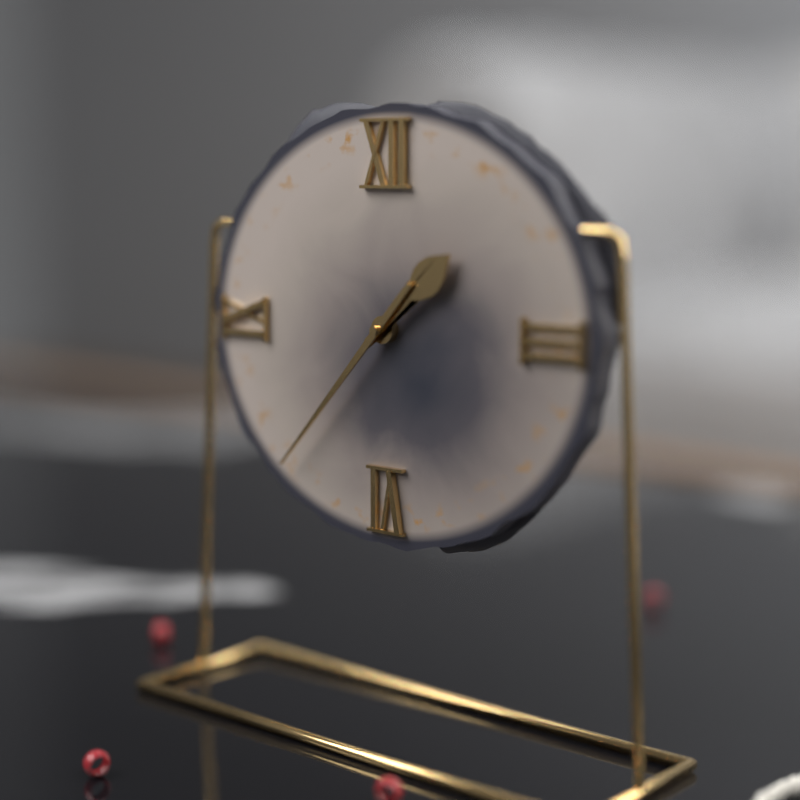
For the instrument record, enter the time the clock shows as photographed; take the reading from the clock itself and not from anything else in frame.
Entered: 1:37
